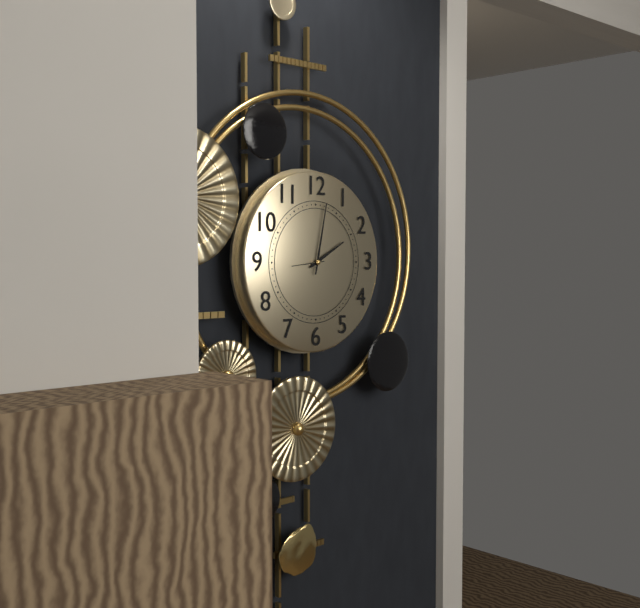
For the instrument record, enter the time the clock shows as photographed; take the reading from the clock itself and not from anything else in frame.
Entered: 2:02
